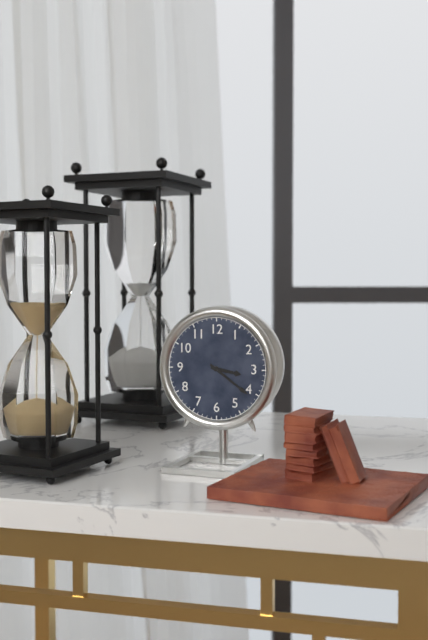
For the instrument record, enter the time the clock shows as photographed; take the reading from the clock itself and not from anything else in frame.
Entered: 3:21
